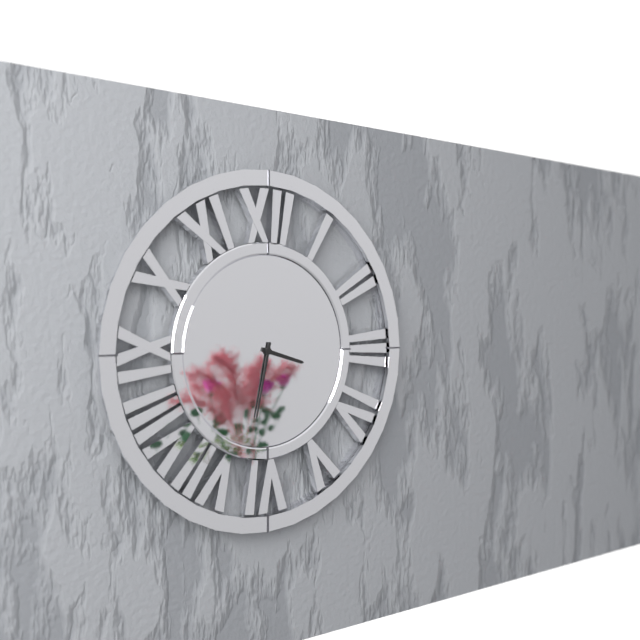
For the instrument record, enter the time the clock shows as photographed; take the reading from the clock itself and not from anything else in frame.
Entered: 3:32
